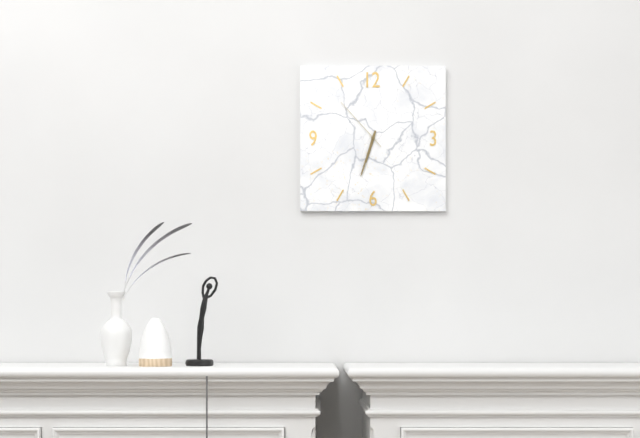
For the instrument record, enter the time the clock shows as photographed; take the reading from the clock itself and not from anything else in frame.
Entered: 6:33:53
